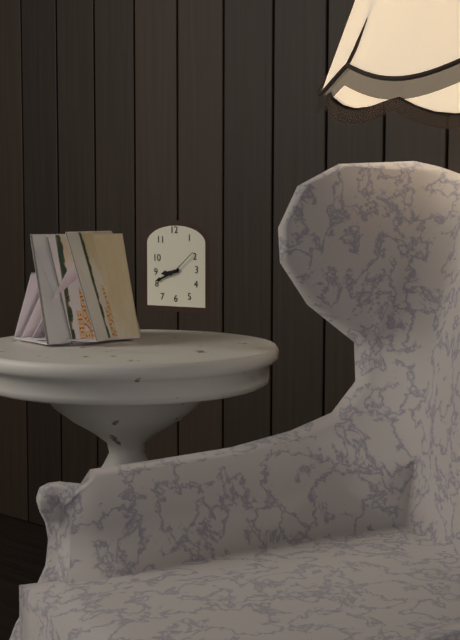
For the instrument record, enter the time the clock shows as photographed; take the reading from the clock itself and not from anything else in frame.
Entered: 8:41
